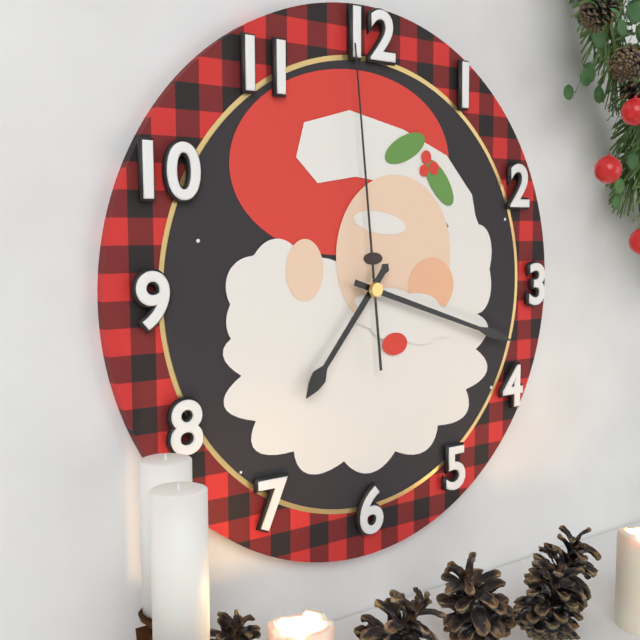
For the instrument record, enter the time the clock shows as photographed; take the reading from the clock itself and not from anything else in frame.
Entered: 7:18:59
